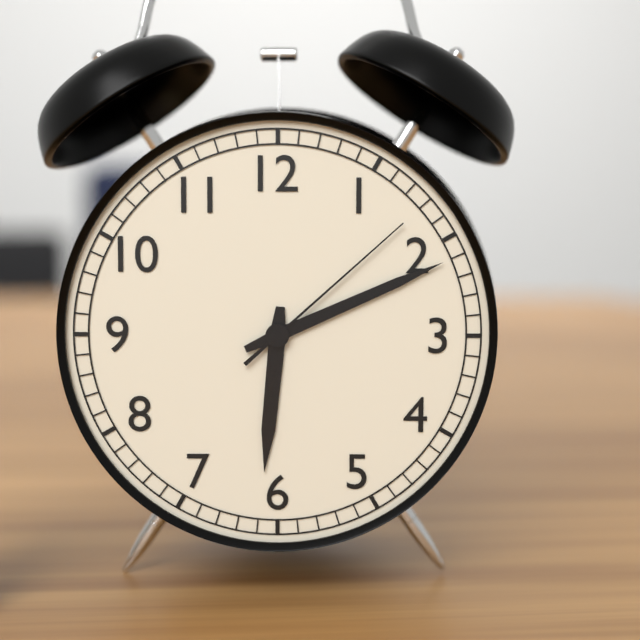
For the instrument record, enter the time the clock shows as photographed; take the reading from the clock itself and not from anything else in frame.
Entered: 6:11:08
